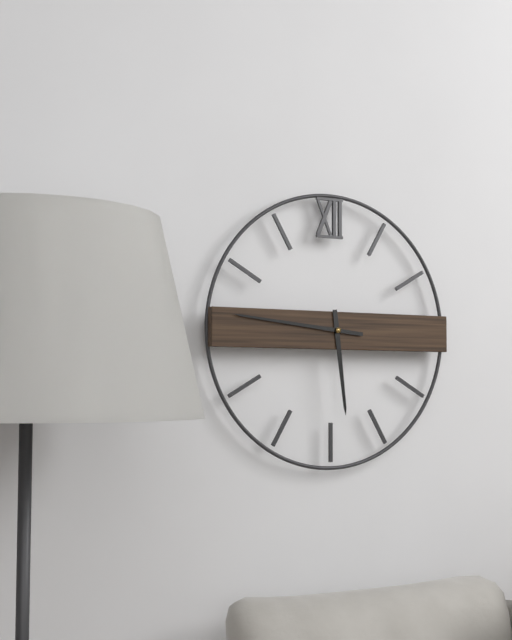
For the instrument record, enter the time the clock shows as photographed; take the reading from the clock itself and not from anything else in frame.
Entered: 5:46
